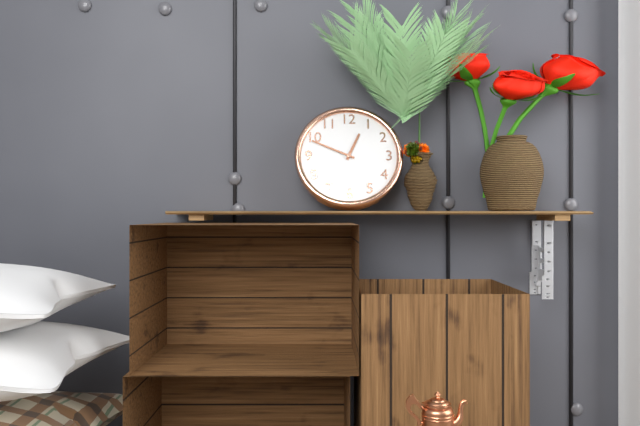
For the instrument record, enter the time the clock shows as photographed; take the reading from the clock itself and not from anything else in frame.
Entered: 12:49
